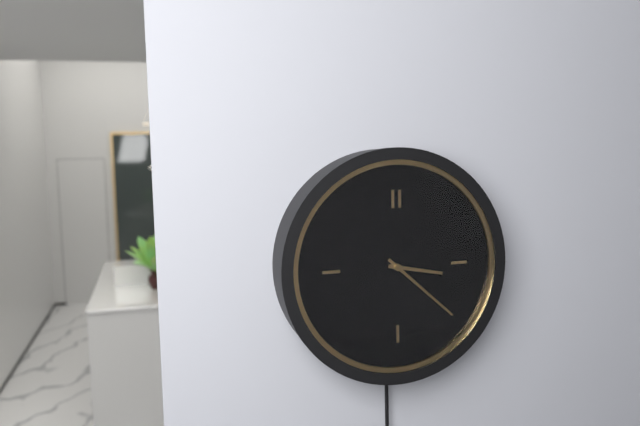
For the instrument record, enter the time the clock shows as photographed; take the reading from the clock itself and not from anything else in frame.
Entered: 3:22
